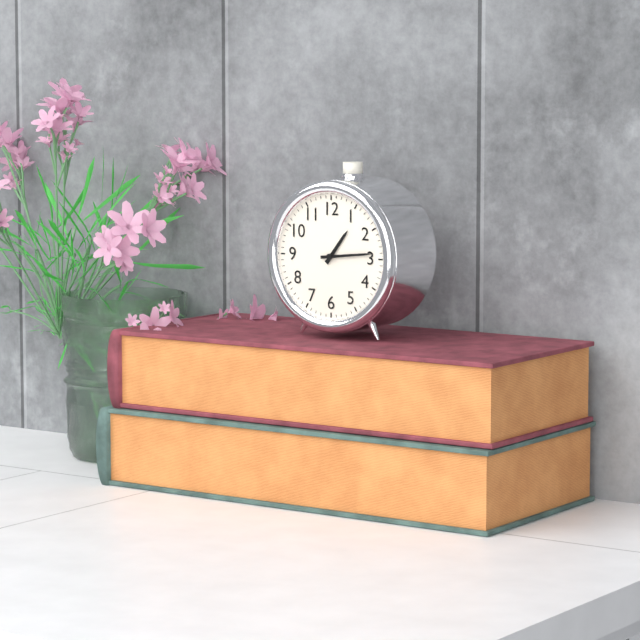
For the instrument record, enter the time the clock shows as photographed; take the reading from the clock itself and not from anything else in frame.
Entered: 1:14
